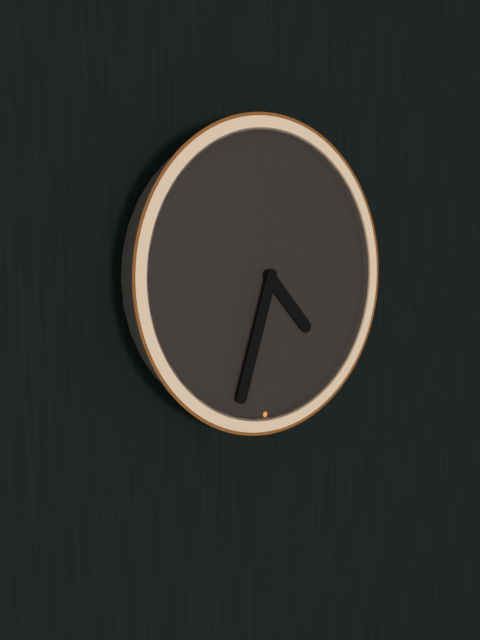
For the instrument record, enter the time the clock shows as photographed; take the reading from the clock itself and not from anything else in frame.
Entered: 4:33
